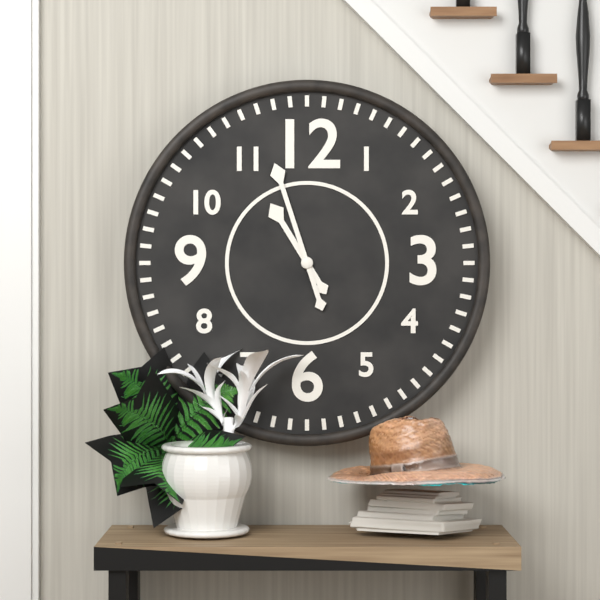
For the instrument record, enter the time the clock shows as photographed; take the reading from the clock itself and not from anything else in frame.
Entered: 10:57
